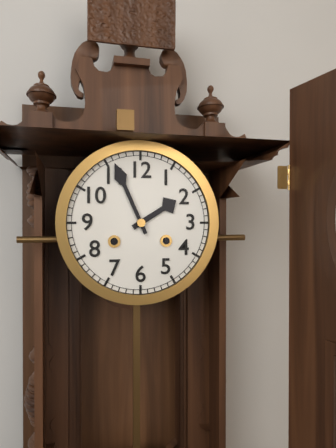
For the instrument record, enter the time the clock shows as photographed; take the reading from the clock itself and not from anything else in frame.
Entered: 1:56
